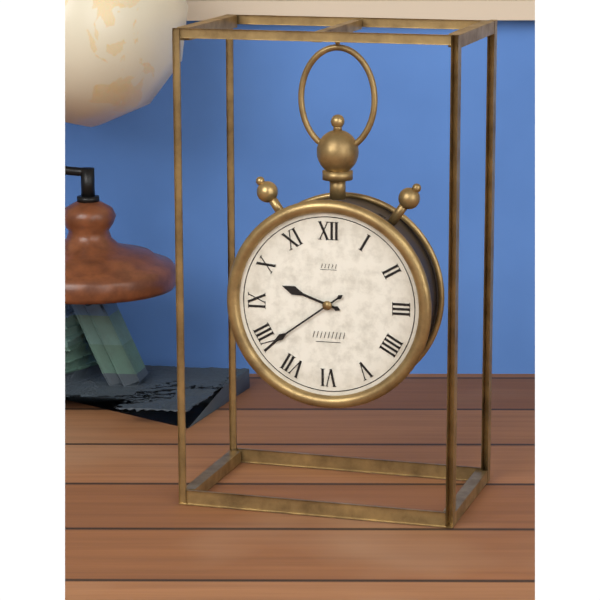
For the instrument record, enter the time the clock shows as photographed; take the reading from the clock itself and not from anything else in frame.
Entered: 9:39
